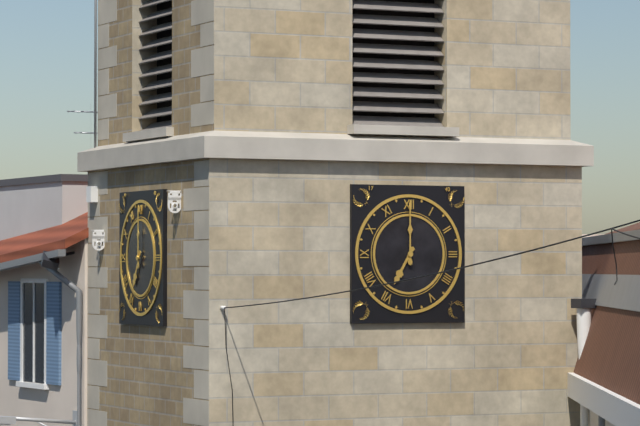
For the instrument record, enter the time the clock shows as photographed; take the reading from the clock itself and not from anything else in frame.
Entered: 7:00
